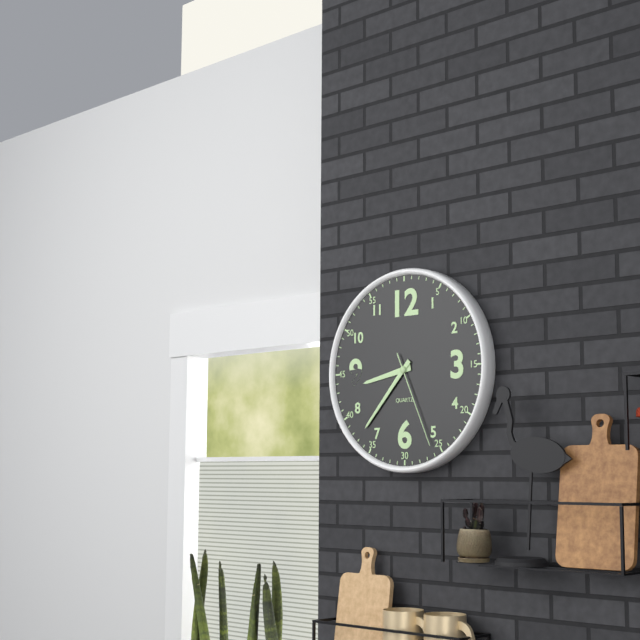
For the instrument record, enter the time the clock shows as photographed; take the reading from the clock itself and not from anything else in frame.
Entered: 8:37:26
